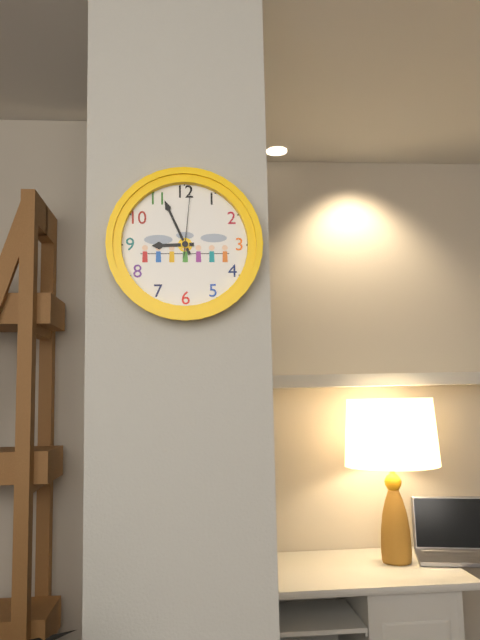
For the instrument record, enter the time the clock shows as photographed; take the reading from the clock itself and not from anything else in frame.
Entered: 8:56:01
